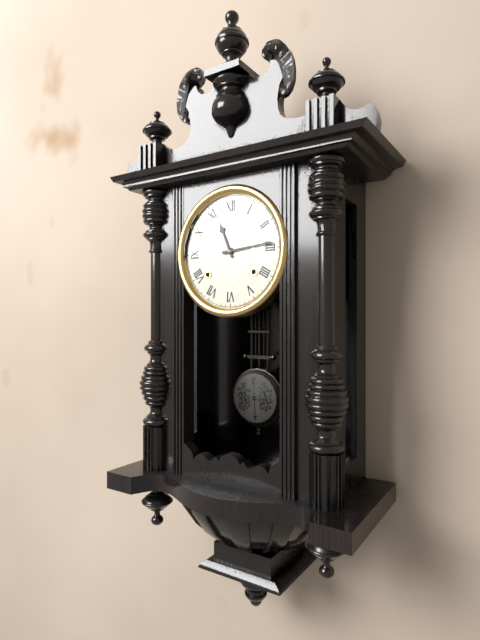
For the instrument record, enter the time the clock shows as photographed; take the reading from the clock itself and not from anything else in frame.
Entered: 11:14
